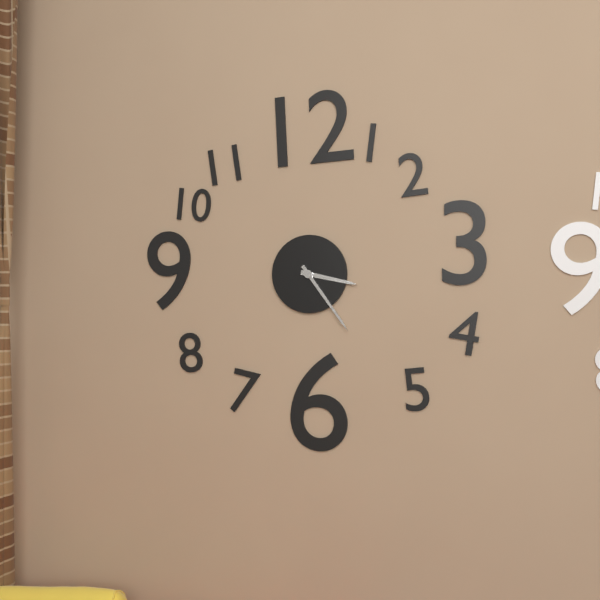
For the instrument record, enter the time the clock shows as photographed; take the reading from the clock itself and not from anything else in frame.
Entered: 3:24
